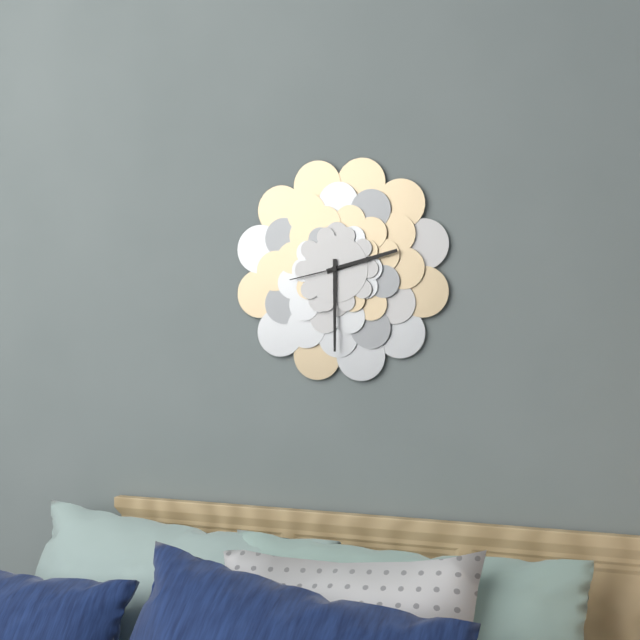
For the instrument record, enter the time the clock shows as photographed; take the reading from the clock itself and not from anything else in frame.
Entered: 2:30:43
